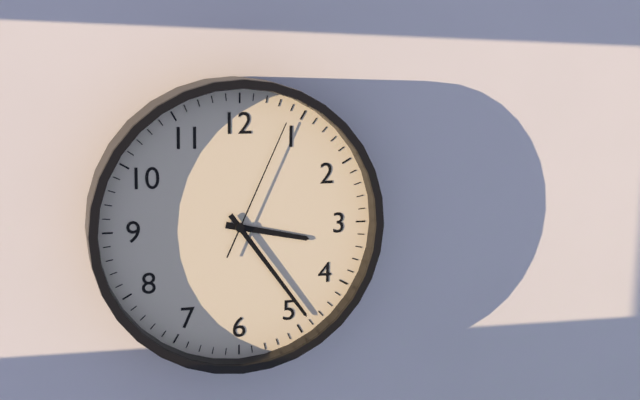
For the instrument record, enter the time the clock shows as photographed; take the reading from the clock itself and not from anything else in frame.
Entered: 3:24:04
